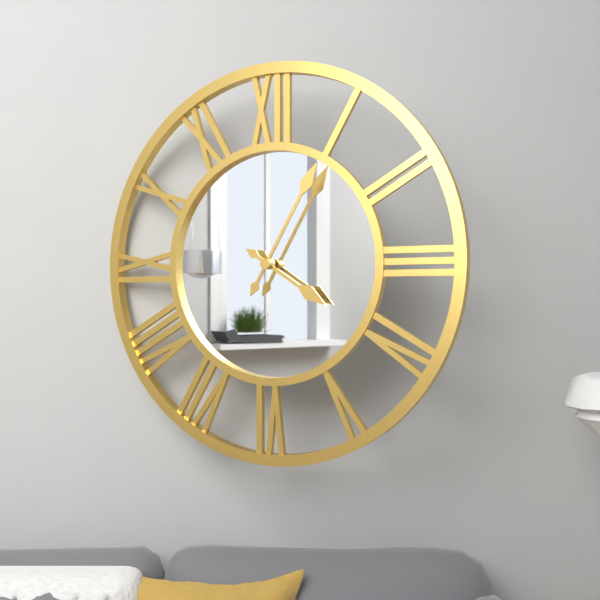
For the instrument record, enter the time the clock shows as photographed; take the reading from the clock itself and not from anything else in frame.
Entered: 4:05
